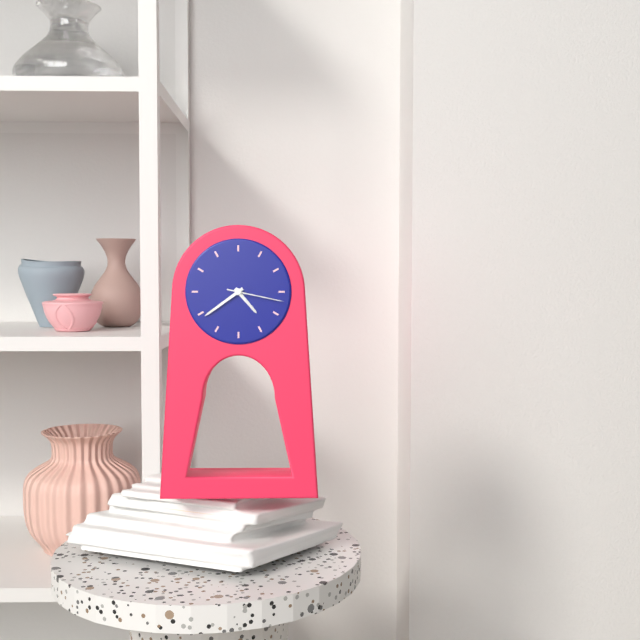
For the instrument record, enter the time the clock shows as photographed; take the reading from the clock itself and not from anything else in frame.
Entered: 4:39:17
